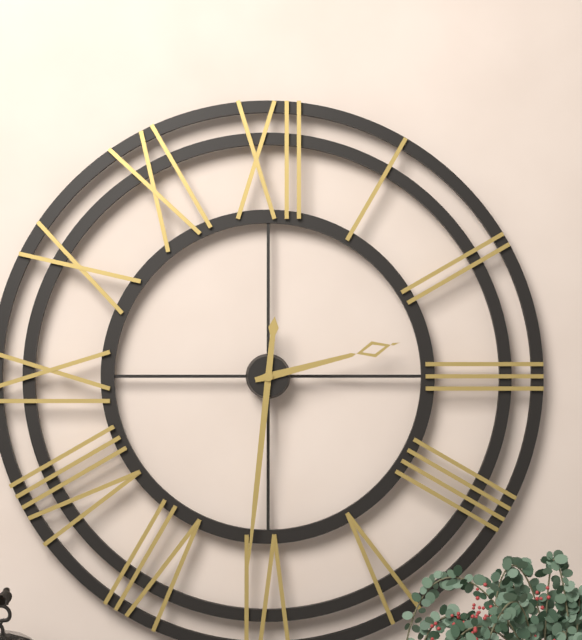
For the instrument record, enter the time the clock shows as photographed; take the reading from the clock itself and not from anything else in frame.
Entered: 2:31
